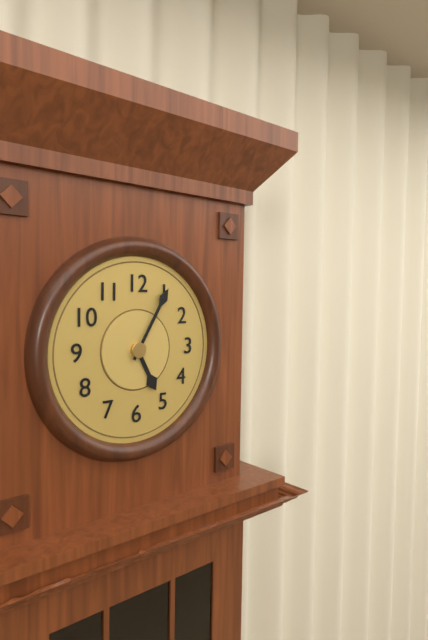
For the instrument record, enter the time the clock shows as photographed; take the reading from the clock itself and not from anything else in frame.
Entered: 5:05
